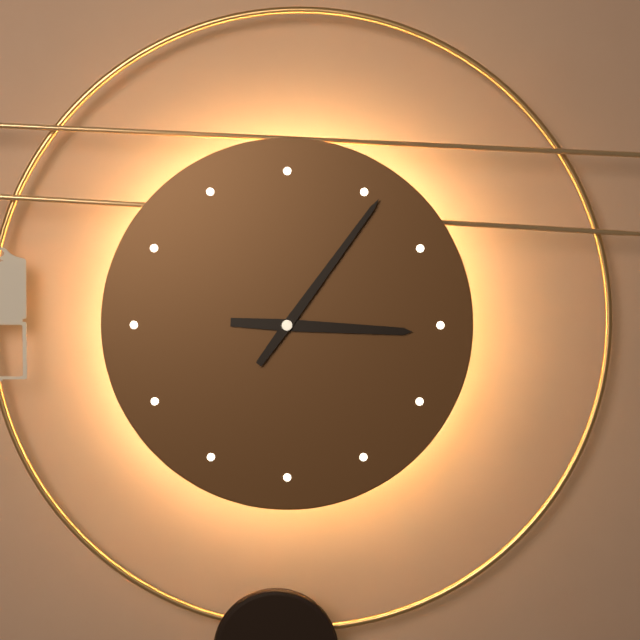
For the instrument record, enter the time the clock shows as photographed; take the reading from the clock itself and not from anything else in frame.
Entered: 3:06
